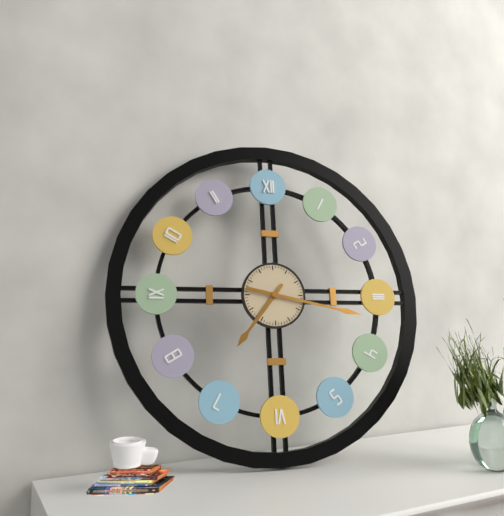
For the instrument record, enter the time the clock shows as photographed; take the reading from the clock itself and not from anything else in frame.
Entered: 7:17
